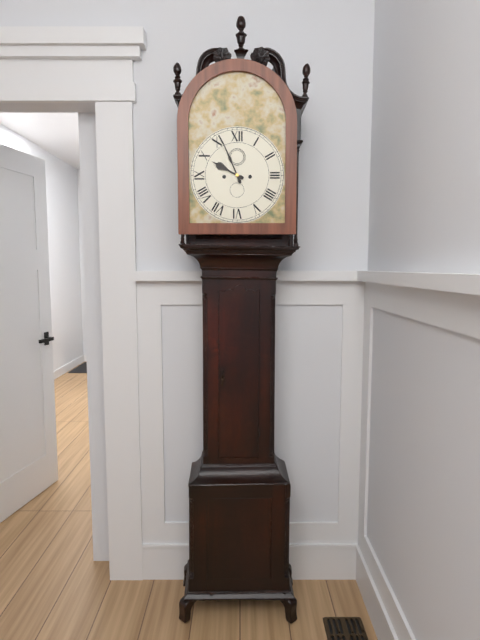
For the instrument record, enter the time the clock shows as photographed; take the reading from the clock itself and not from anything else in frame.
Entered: 9:56
